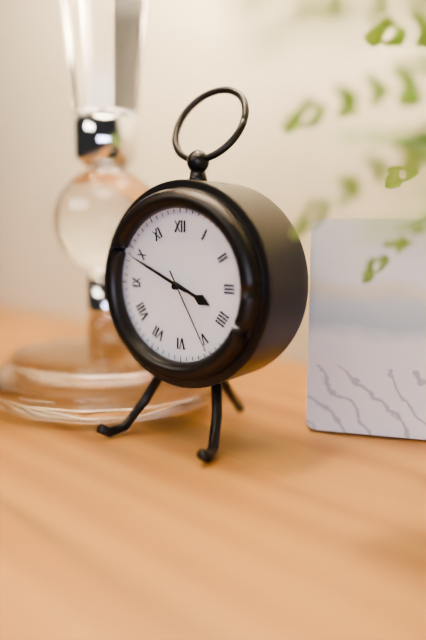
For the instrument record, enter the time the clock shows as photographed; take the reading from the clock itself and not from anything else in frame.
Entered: 3:49:25
